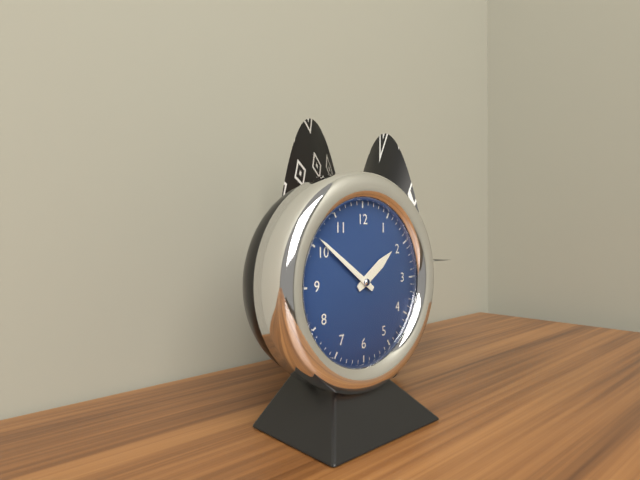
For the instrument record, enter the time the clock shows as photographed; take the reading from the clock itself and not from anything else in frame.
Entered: 1:51
